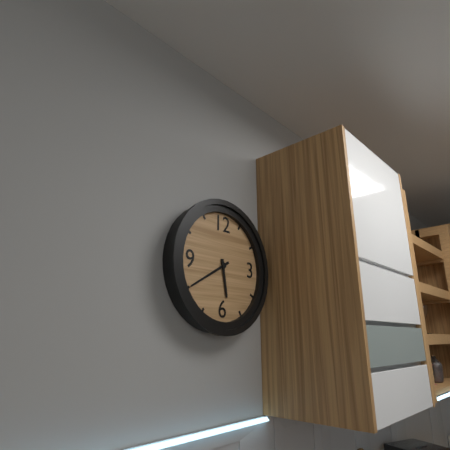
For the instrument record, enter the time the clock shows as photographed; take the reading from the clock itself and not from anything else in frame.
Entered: 5:40
